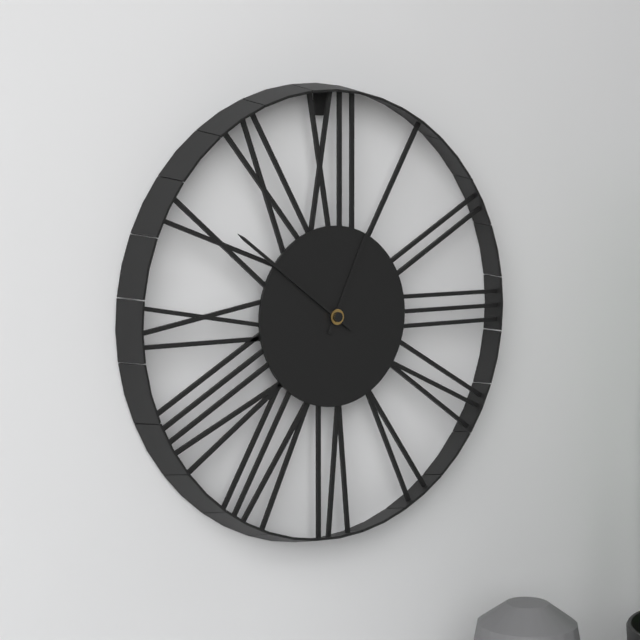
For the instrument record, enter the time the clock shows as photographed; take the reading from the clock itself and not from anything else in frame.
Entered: 12:51
